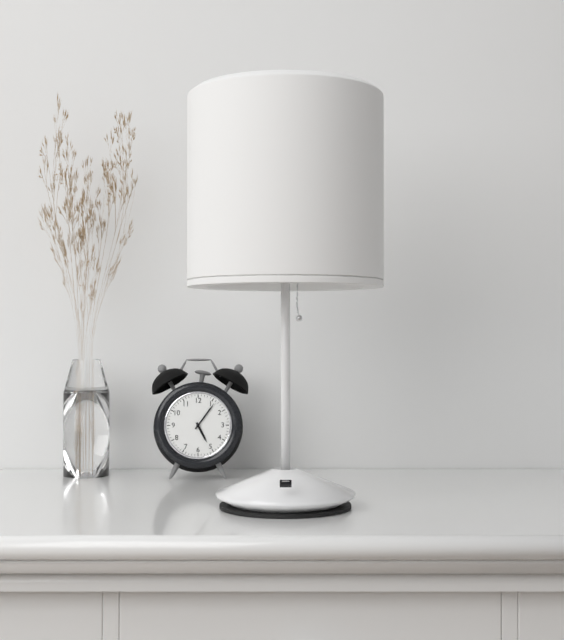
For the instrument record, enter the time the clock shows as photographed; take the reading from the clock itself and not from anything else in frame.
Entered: 5:06
